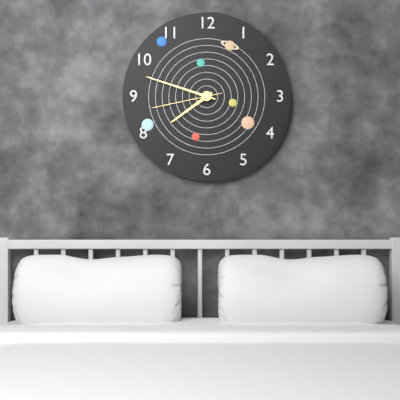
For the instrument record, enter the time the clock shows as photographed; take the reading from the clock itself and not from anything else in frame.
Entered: 7:48:43
